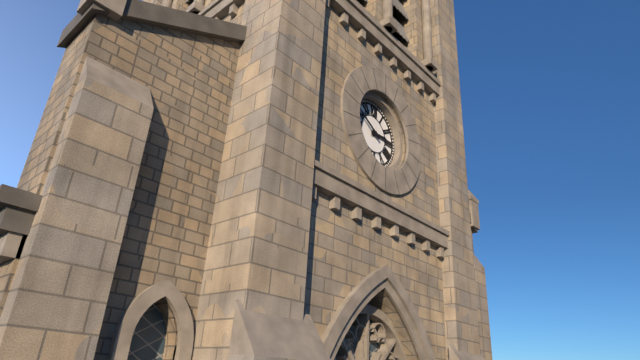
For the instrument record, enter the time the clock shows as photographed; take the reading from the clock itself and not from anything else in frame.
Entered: 2:50
